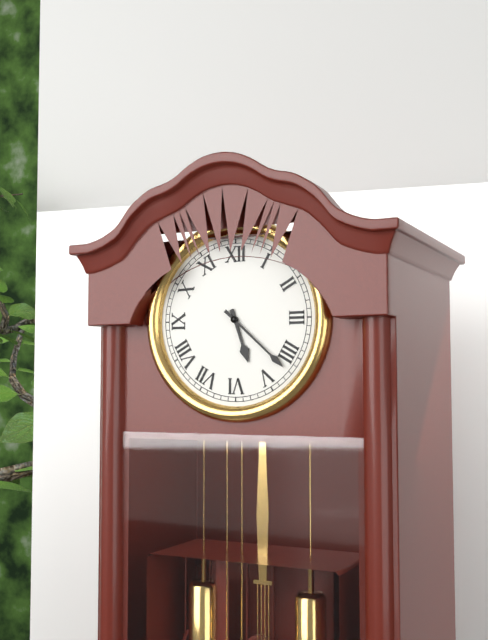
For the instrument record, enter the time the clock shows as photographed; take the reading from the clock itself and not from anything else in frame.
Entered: 5:22
